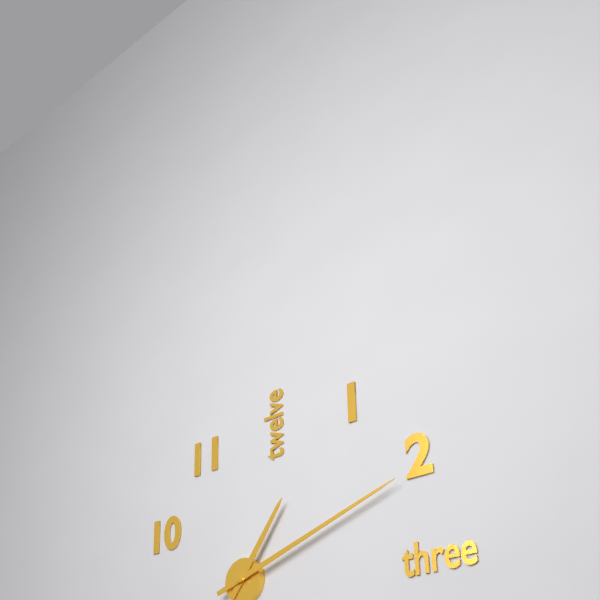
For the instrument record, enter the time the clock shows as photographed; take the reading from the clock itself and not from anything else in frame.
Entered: 1:12
